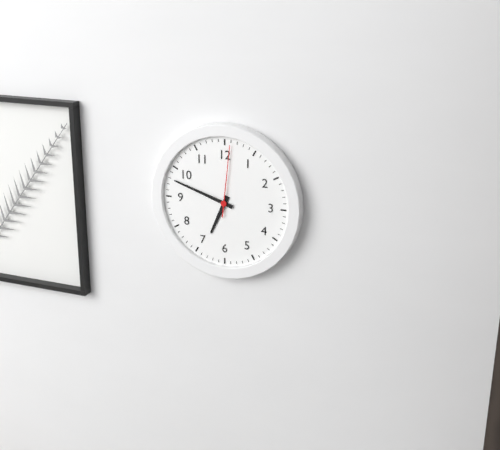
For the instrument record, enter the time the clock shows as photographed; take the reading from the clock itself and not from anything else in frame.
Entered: 6:48:01
